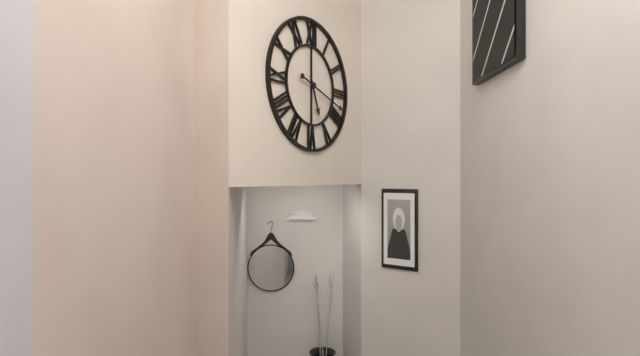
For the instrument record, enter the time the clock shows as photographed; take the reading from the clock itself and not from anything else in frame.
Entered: 5:18
